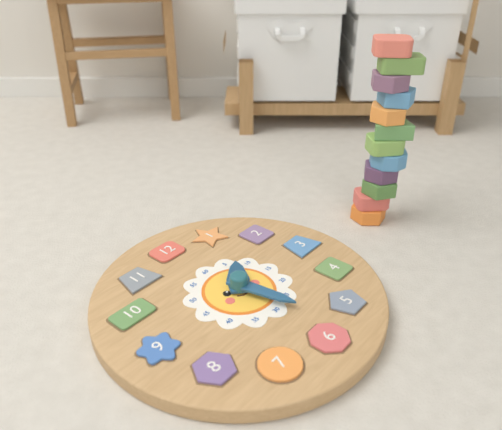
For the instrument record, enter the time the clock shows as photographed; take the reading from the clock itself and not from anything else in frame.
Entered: 1:28
